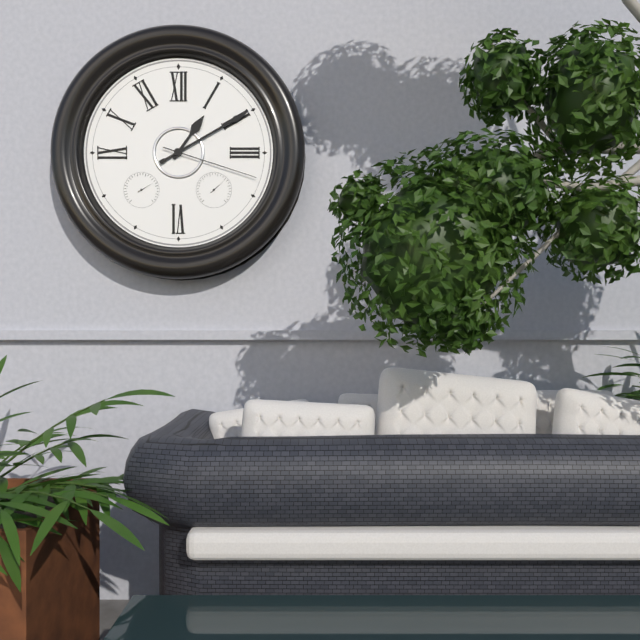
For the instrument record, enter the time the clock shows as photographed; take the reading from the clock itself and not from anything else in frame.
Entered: 1:10:18
